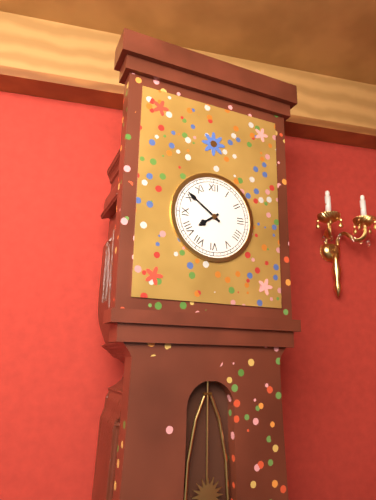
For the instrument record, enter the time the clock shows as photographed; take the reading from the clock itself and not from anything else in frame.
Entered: 7:51
